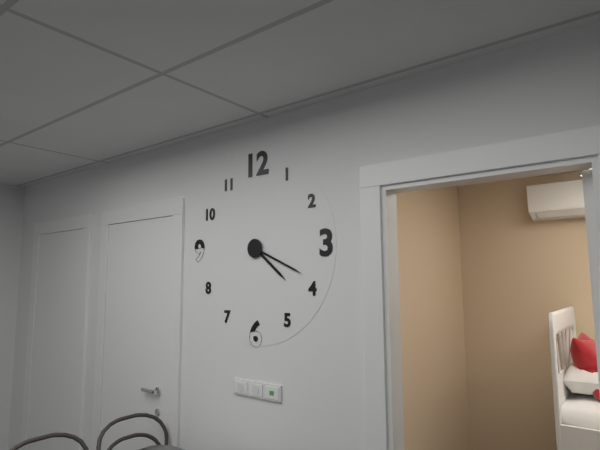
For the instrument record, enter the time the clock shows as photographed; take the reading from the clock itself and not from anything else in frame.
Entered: 4:19
